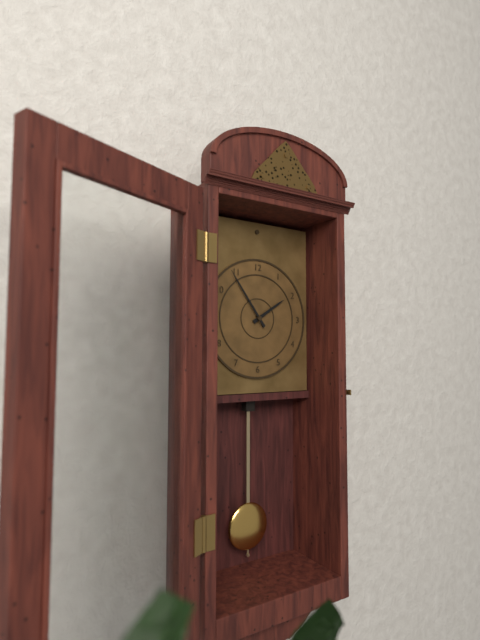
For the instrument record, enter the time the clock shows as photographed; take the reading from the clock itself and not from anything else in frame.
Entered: 1:54
